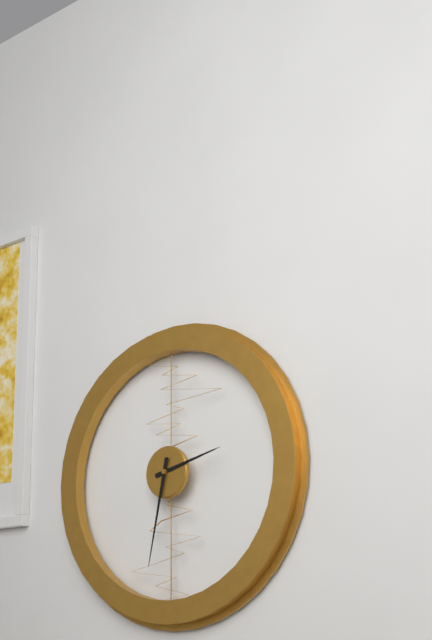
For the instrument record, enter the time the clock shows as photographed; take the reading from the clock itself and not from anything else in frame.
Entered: 2:32
